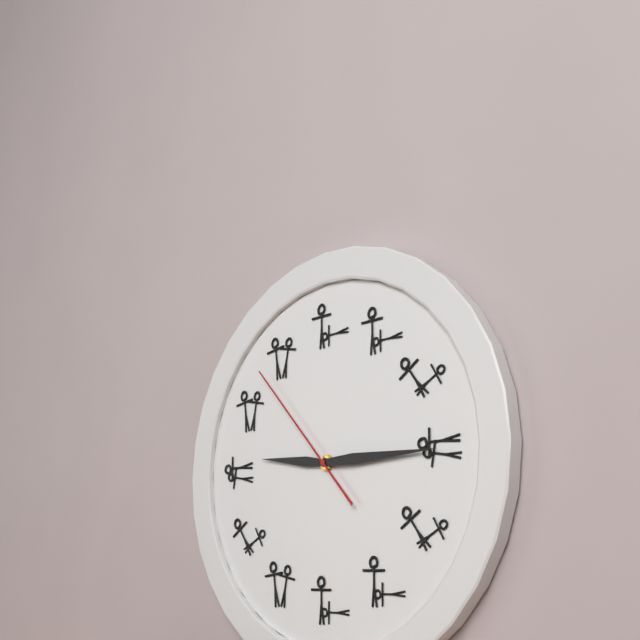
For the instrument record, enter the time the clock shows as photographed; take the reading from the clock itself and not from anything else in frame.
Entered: 9:15:53
